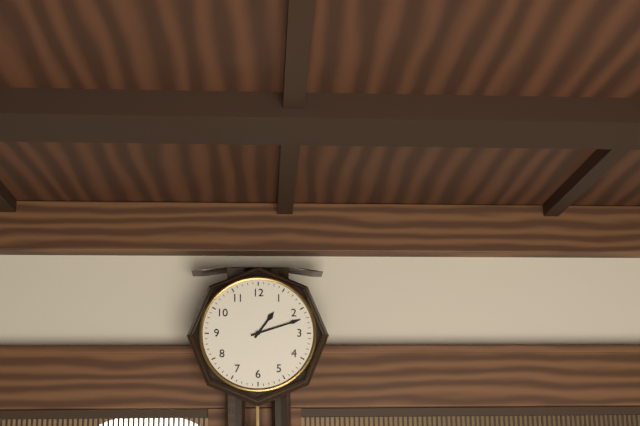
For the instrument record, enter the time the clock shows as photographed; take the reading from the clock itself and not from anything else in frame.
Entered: 1:12
